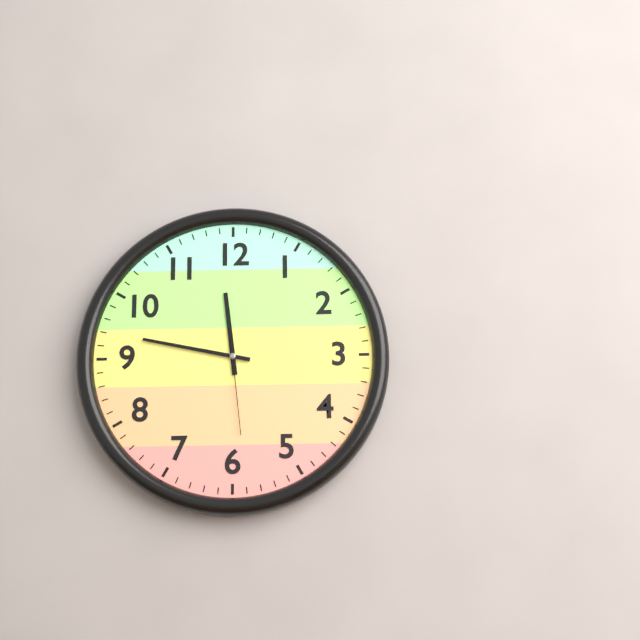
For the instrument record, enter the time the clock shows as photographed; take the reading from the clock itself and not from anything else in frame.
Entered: 11:47:29
